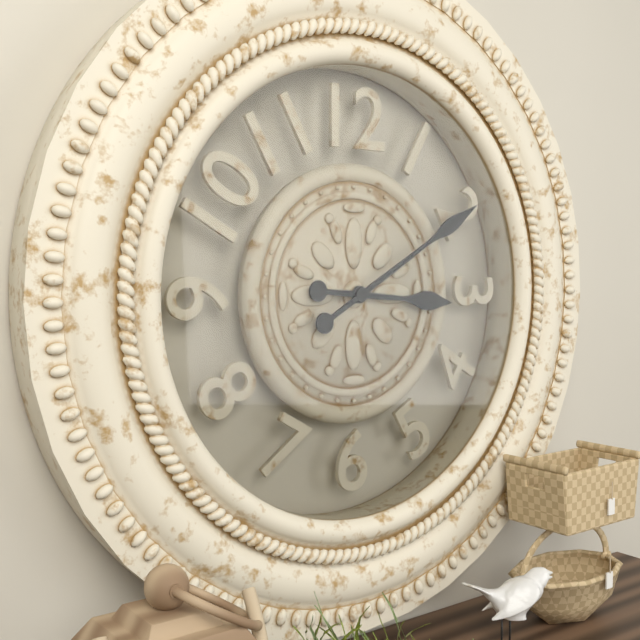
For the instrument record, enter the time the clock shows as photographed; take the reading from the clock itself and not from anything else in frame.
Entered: 3:10
